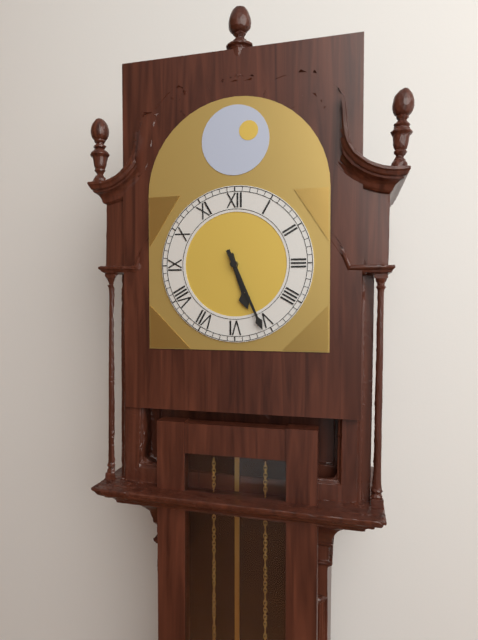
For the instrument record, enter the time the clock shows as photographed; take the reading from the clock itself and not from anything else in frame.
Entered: 5:26
